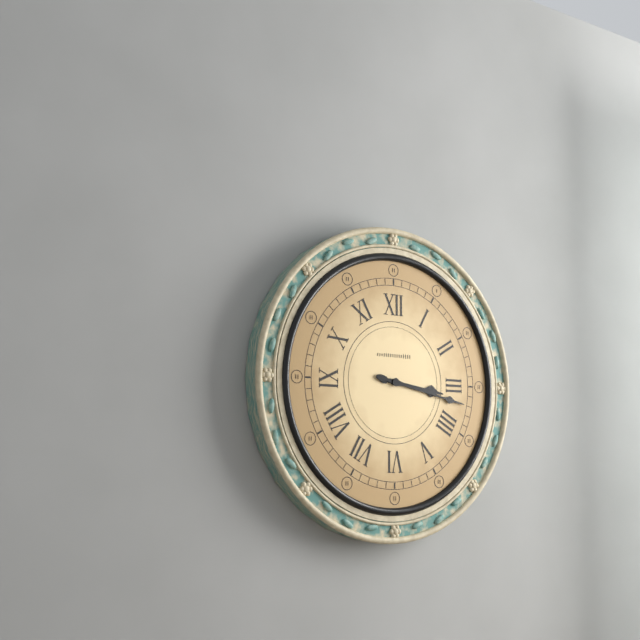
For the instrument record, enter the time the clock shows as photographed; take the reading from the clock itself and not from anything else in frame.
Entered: 3:17
